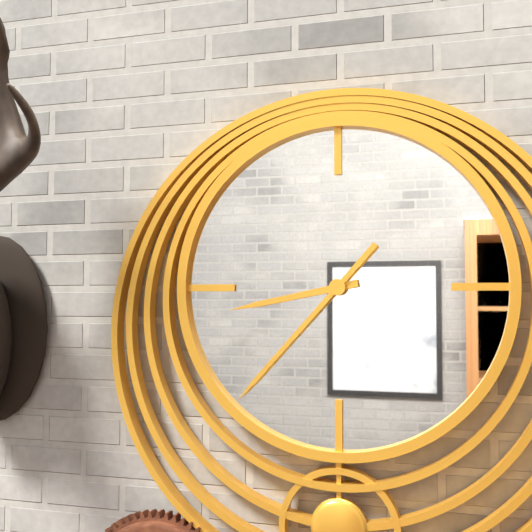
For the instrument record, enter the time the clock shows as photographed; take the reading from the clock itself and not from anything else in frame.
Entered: 8:37
